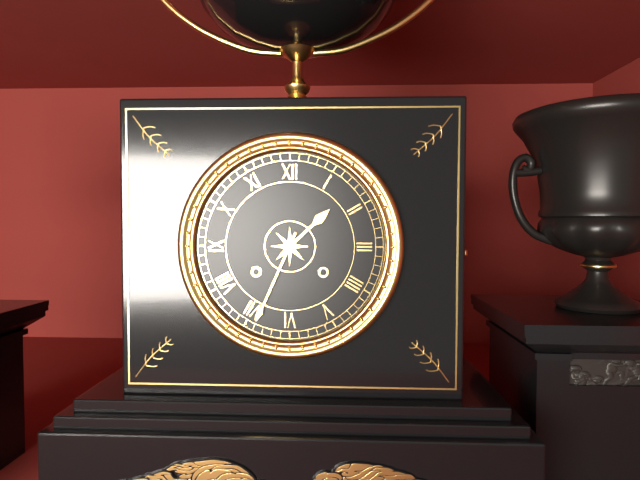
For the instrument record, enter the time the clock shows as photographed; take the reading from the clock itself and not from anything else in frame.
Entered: 1:34
